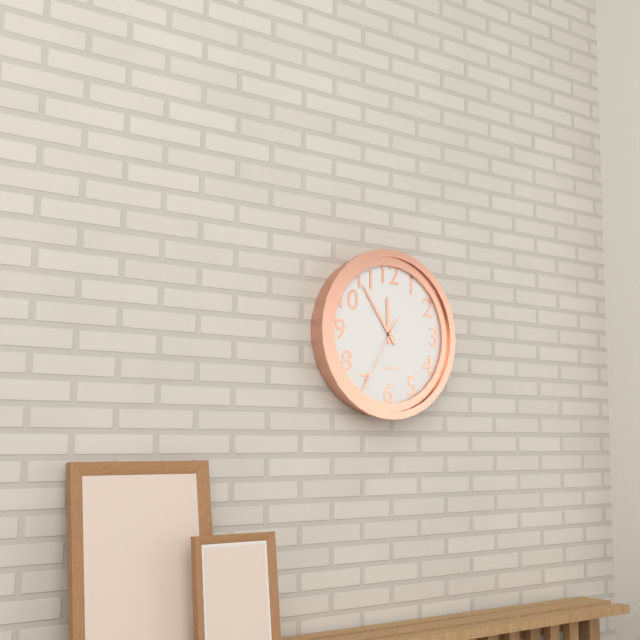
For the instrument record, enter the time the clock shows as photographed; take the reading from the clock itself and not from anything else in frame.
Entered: 11:54:35
